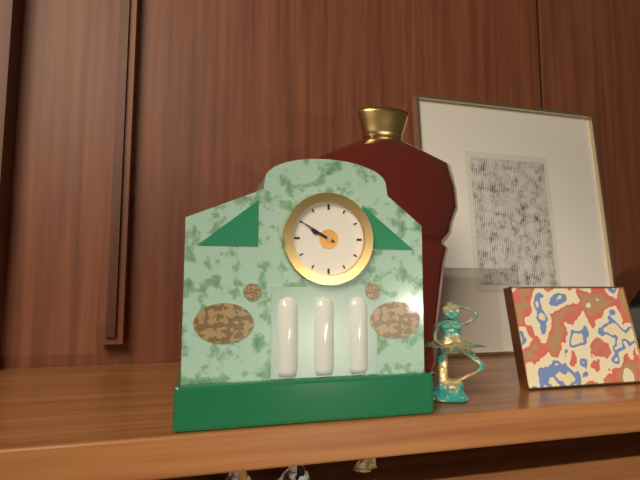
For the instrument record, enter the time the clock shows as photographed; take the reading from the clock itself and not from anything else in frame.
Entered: 9:50
